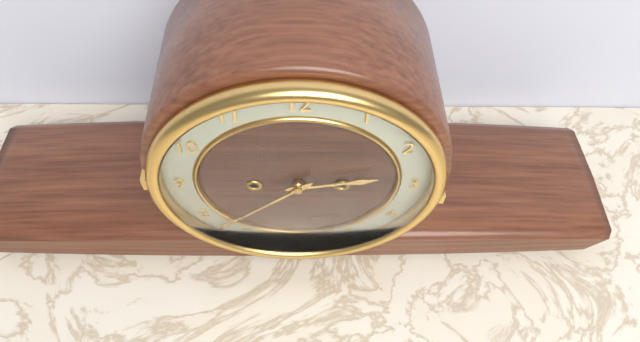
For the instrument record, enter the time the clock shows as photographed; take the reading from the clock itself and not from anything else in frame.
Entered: 2:38
